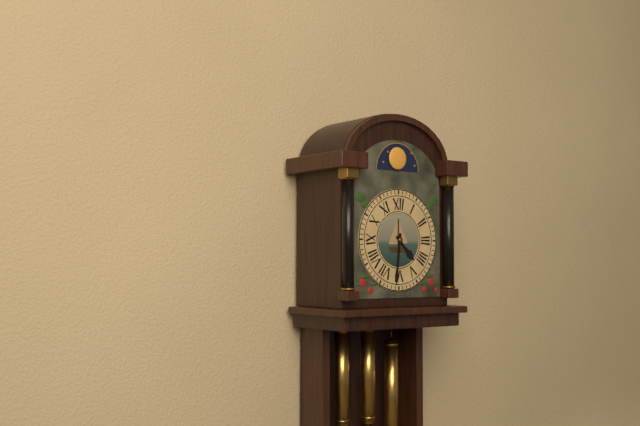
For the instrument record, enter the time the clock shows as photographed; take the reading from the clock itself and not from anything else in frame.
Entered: 4:31
